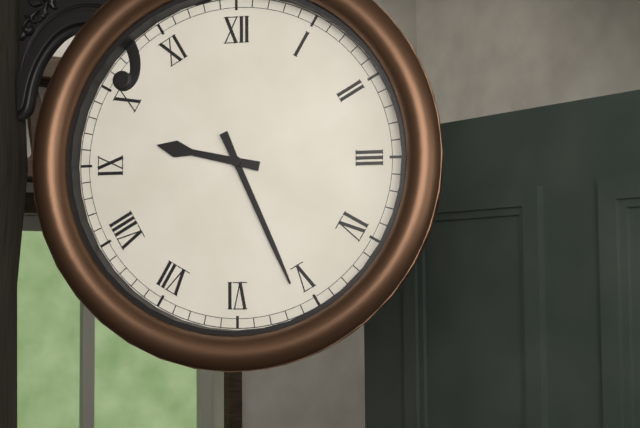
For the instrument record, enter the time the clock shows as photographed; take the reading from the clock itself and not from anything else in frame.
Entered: 9:26
